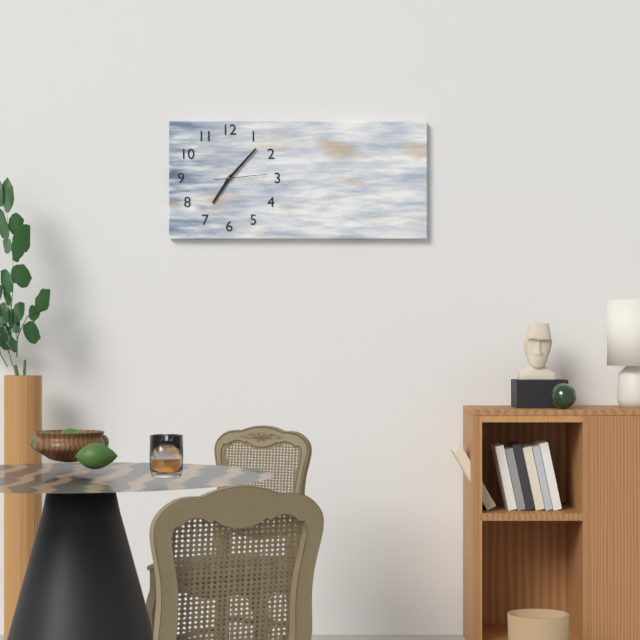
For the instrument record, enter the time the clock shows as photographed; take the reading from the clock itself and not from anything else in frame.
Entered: 7:07
